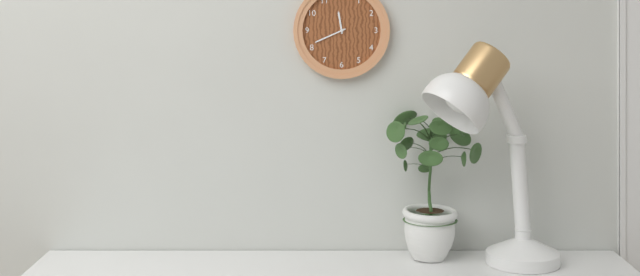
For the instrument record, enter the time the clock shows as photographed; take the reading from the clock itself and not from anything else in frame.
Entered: 11:41
